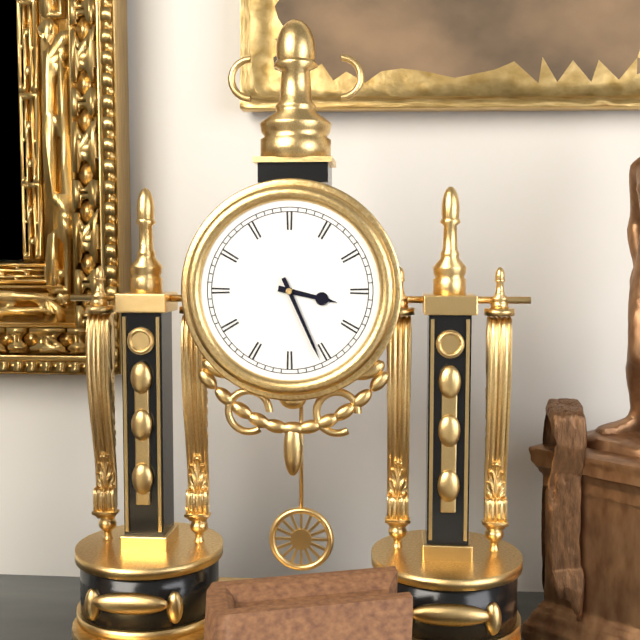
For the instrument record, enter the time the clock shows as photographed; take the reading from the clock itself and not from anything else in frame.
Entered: 3:26
